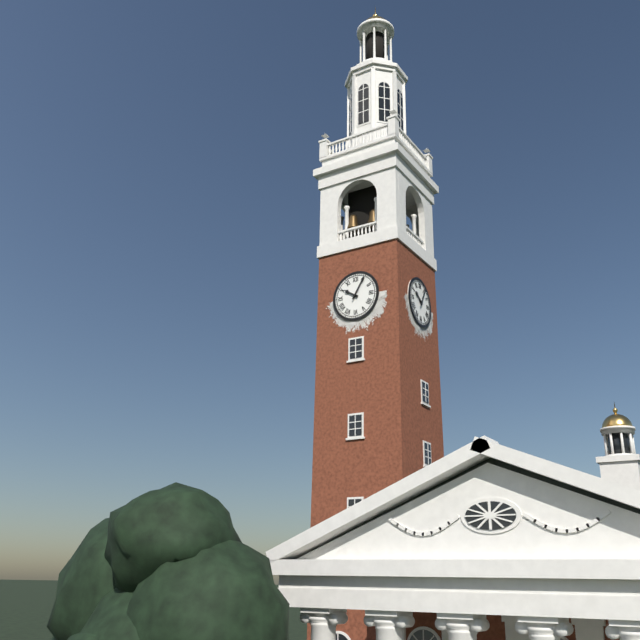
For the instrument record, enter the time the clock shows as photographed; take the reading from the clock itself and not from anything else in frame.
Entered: 10:05
